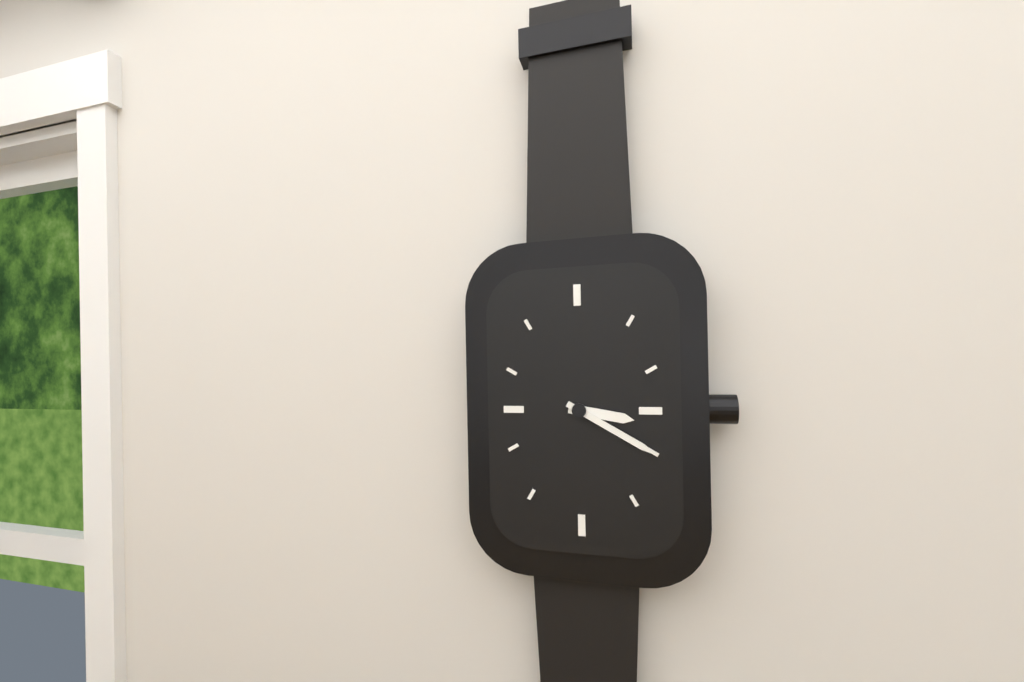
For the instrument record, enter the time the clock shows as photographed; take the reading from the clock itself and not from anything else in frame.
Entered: 3:20
